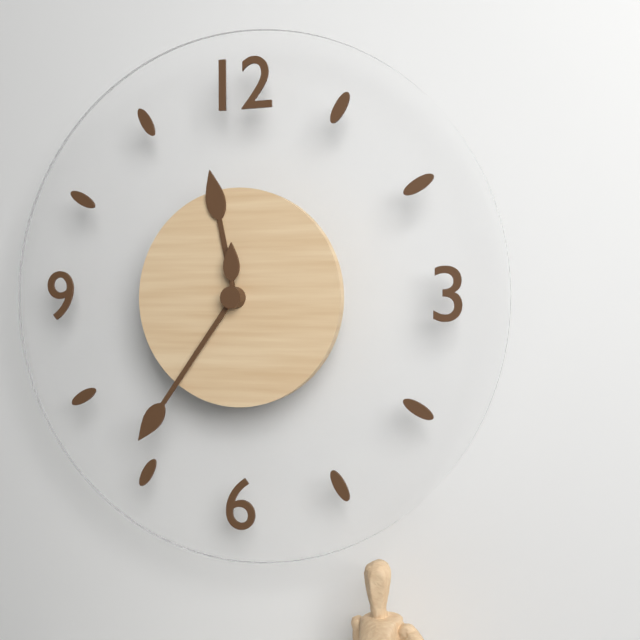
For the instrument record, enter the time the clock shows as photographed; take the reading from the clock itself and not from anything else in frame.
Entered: 11:36:00
